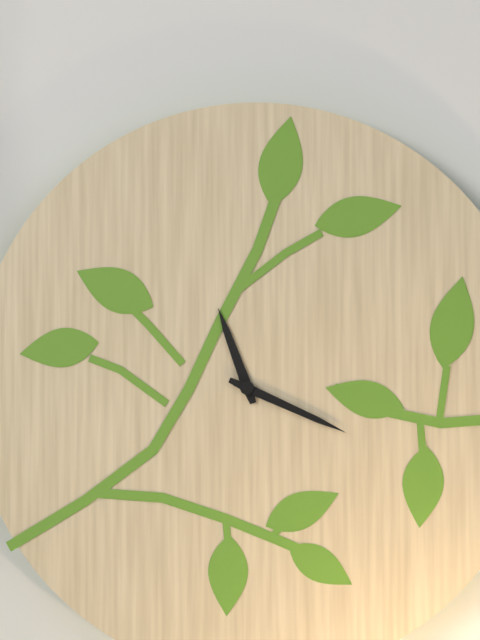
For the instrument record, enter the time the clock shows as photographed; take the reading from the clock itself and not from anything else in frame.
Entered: 11:19
